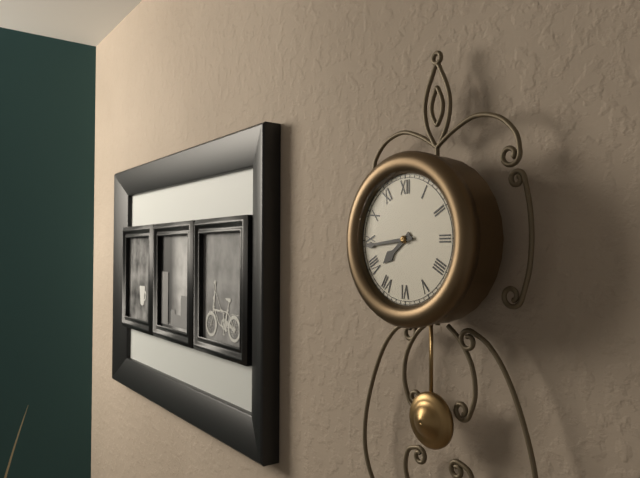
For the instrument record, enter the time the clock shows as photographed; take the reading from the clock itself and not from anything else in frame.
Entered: 7:44
